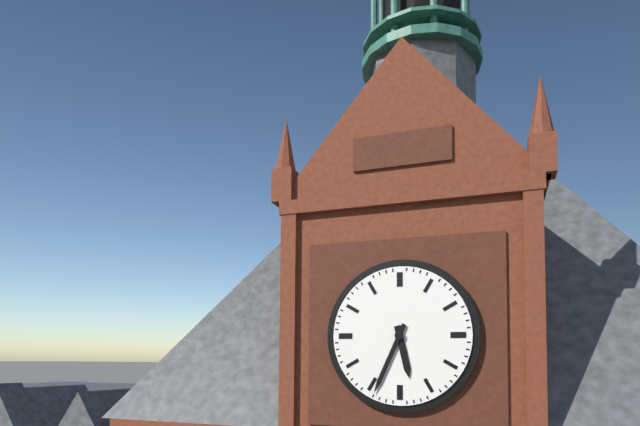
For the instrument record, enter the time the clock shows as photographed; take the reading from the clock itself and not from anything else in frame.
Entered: 5:34
